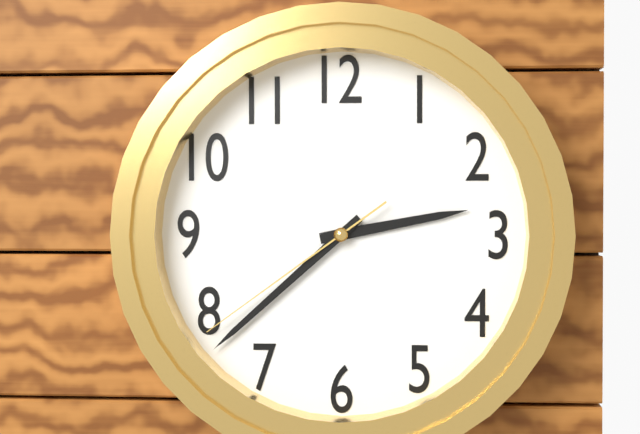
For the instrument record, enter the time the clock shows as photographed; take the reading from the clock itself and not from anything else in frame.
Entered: 2:38:39
